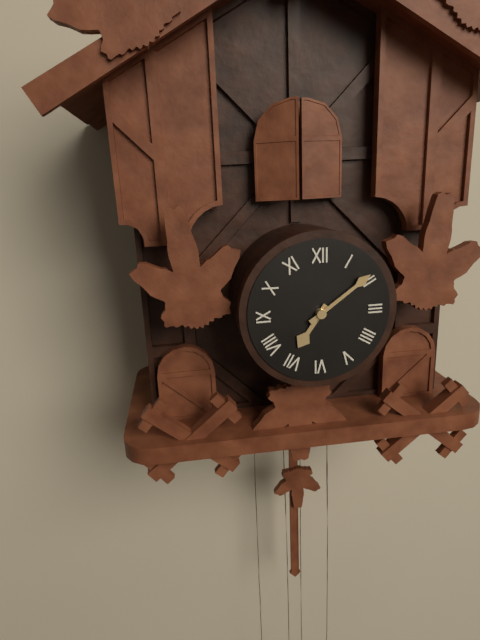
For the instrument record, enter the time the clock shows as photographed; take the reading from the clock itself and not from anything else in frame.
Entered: 7:09
